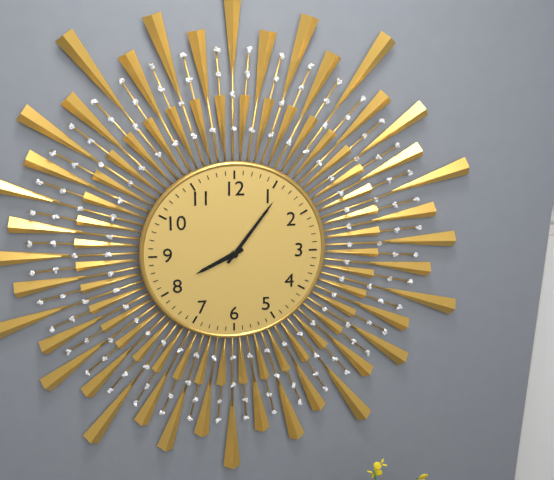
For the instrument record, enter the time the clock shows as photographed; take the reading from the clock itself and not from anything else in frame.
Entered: 8:06
